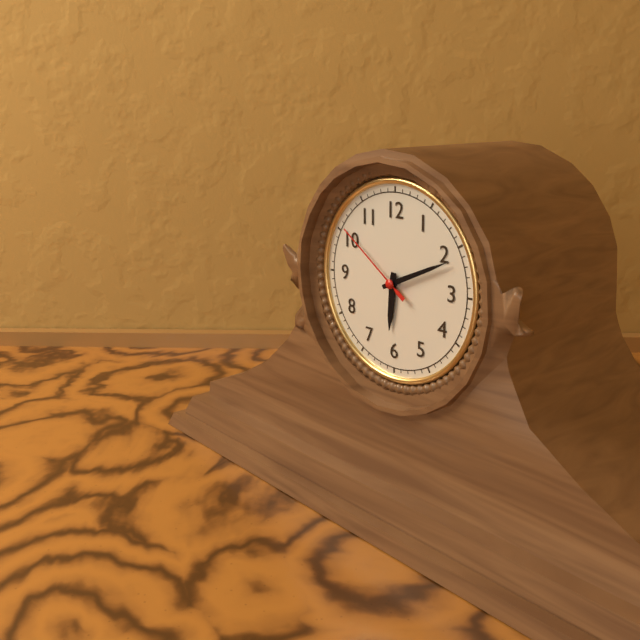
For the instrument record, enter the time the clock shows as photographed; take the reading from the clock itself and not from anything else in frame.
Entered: 6:11:51
